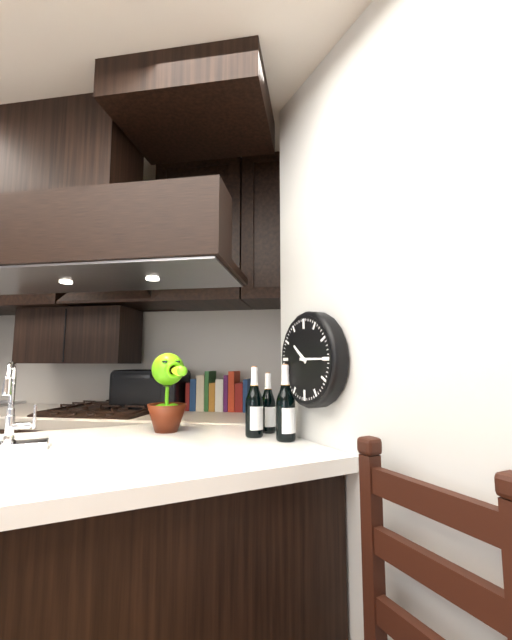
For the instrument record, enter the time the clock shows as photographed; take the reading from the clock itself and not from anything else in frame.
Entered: 10:15
